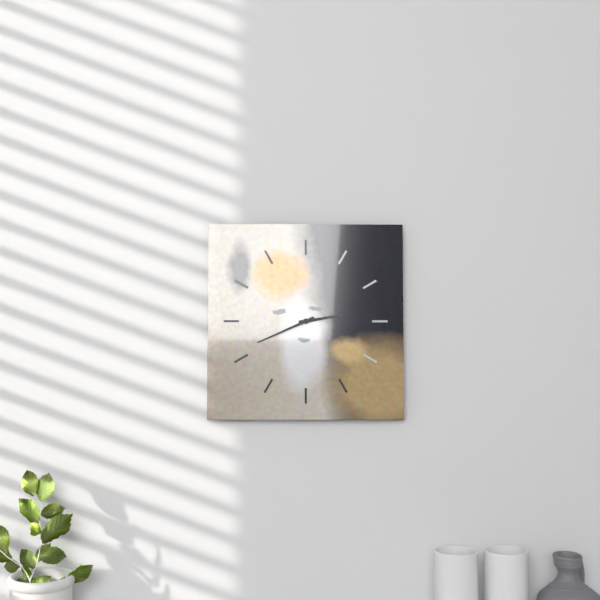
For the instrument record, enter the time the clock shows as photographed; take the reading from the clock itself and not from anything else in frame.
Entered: 2:41
